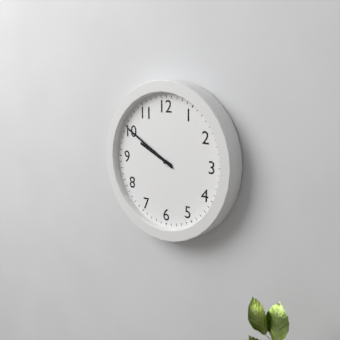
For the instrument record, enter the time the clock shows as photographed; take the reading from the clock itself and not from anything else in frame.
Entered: 9:50
